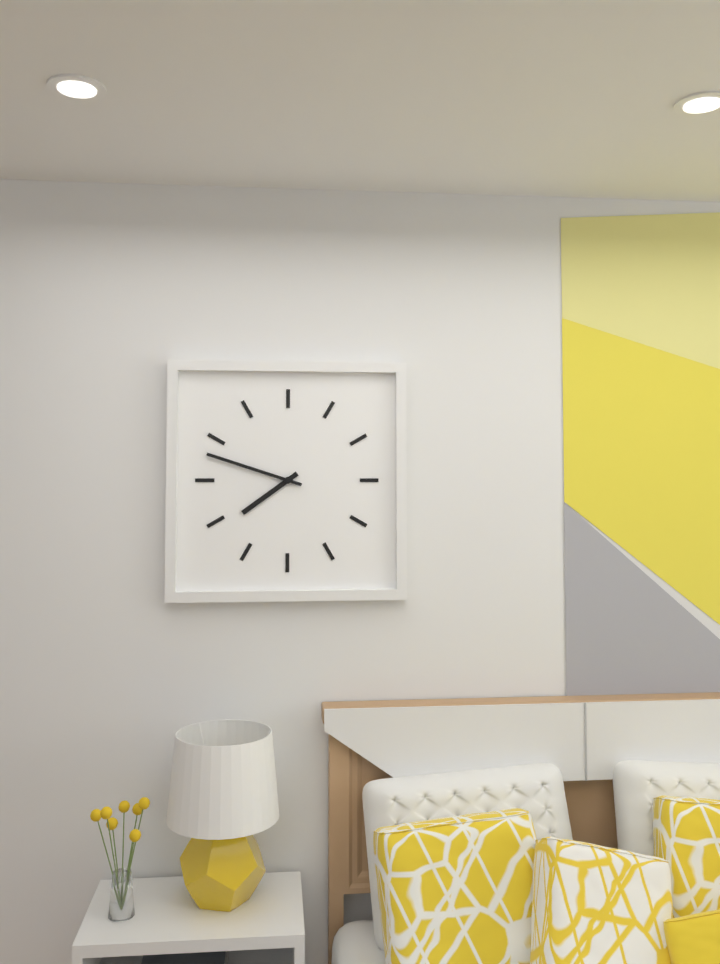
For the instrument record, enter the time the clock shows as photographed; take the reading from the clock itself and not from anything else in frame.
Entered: 7:48
